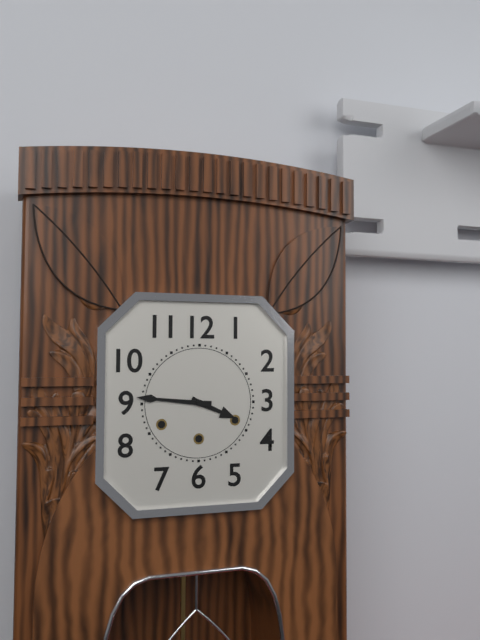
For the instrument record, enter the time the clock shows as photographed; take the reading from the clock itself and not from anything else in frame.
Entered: 3:46
